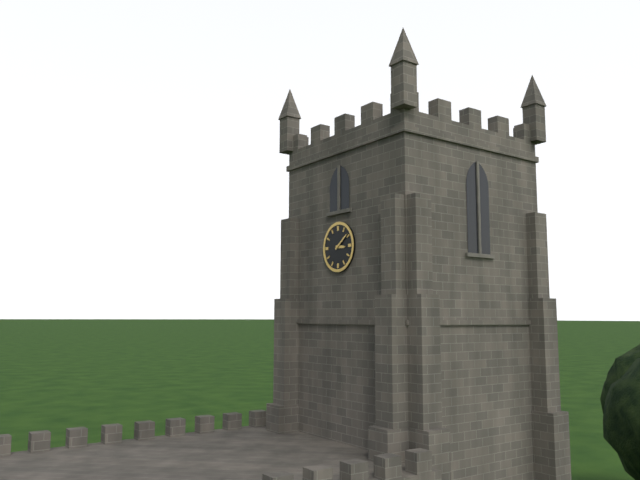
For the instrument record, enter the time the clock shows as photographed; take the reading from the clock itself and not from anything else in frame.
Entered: 3:09
